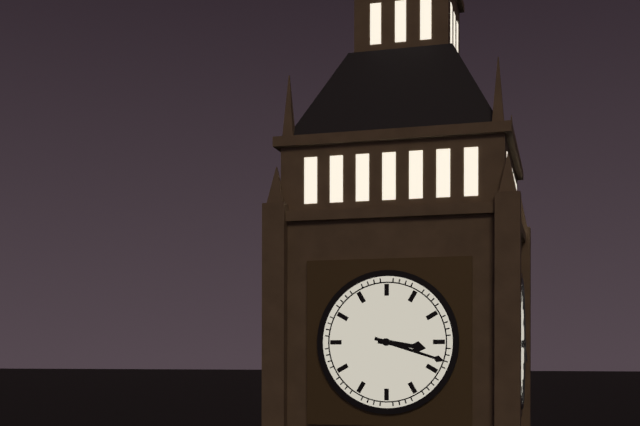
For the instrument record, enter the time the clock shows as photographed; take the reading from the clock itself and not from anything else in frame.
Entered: 3:18
